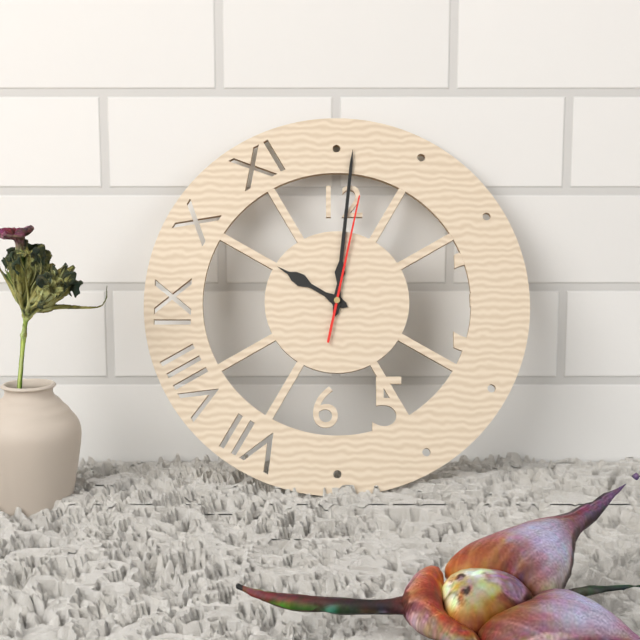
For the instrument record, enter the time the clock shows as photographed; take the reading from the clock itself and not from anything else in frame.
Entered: 10:01:02
